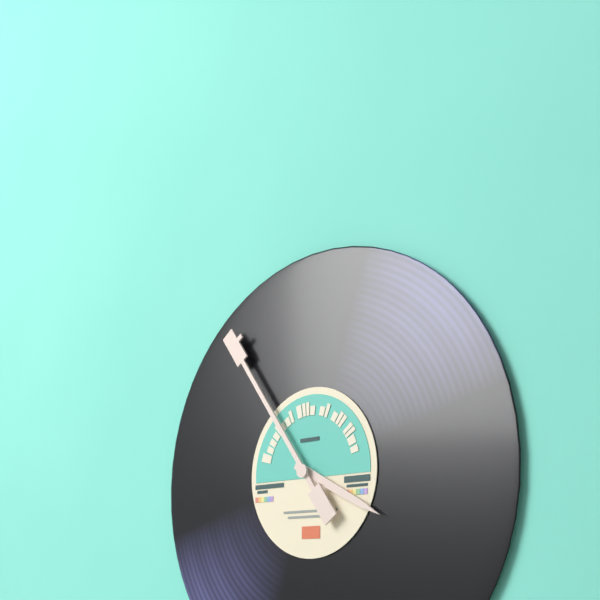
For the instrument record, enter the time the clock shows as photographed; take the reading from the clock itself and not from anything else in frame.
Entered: 3:54
